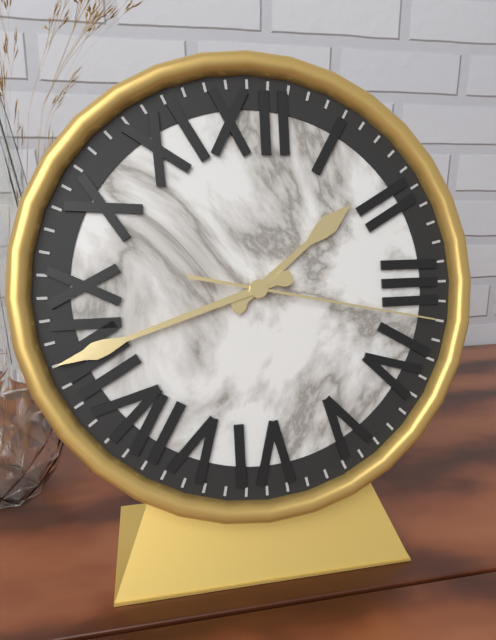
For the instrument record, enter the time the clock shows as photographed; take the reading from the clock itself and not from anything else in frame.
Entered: 1:42:17
